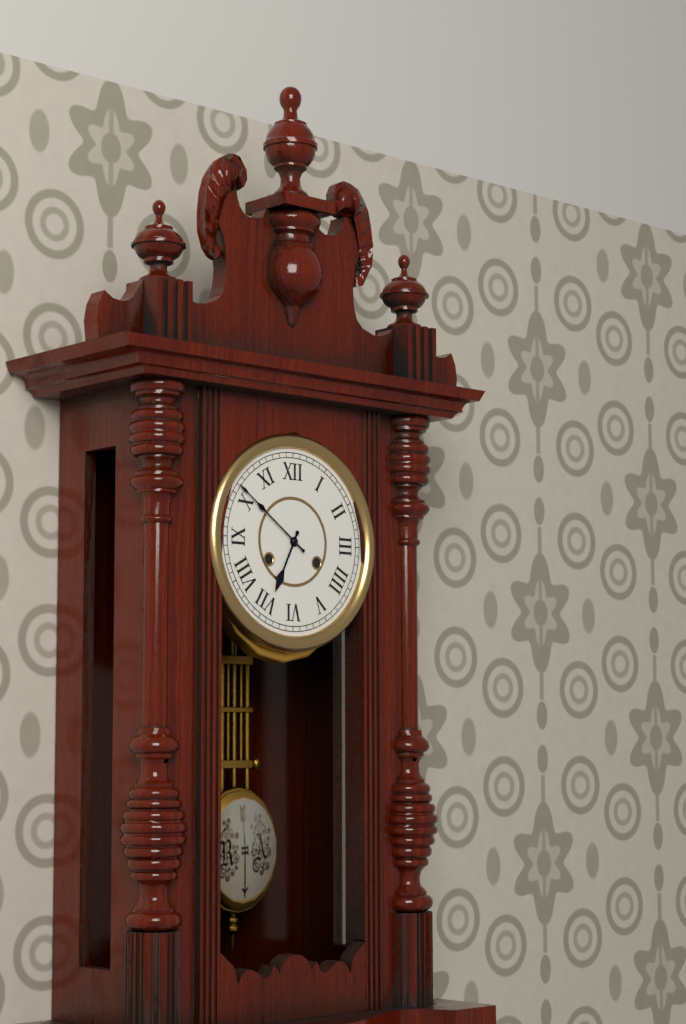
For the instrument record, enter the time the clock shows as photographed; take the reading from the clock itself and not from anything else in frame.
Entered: 6:51
